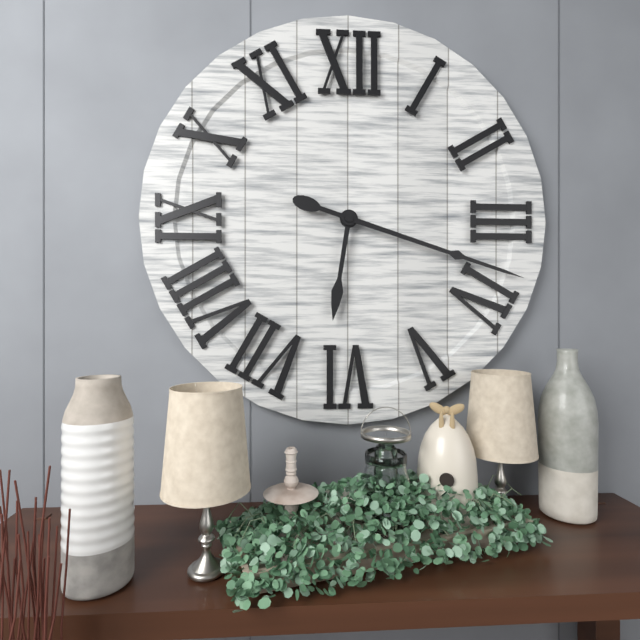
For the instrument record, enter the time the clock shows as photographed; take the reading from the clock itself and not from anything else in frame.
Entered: 6:18
